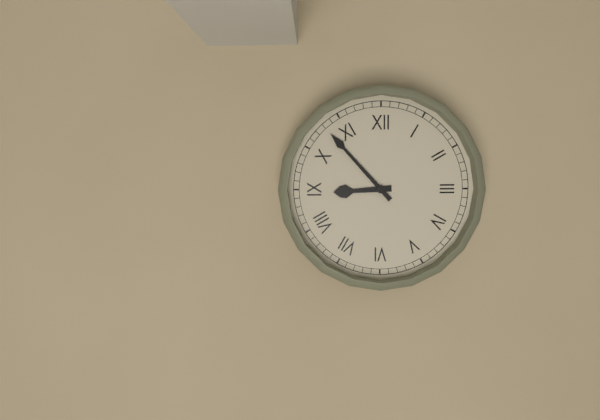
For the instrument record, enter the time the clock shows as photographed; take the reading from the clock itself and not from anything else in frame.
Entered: 8:53
